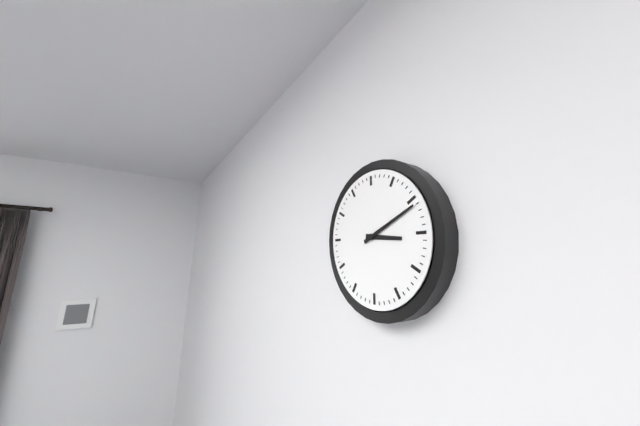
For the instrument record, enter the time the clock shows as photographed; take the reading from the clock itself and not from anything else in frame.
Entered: 3:11
